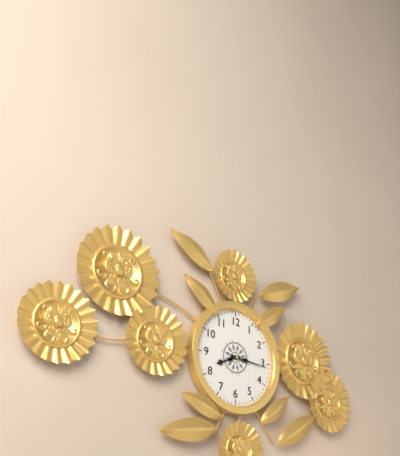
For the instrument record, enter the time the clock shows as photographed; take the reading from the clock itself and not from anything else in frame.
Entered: 8:16
